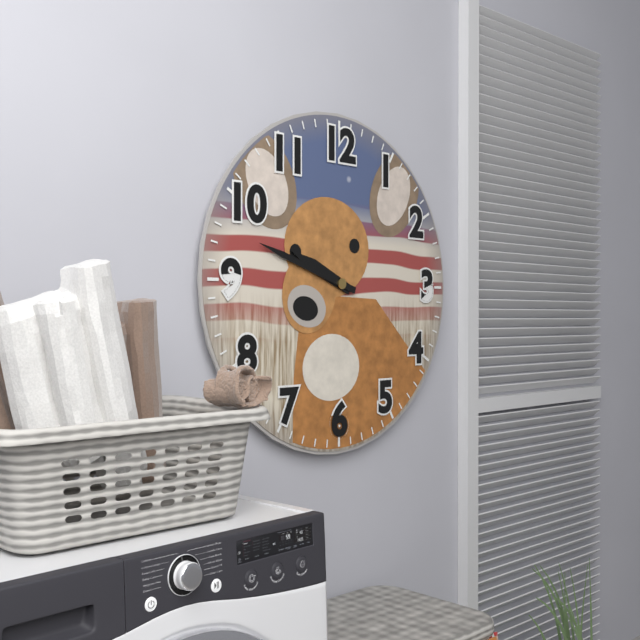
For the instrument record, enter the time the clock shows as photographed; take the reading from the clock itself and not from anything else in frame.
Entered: 9:48
